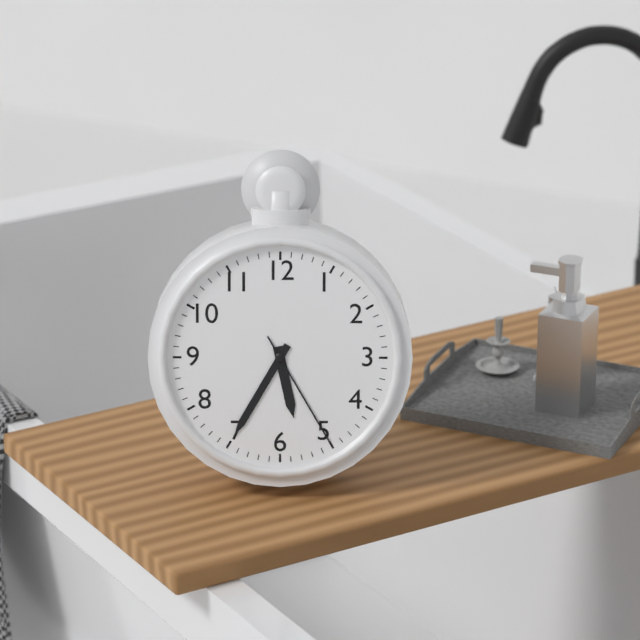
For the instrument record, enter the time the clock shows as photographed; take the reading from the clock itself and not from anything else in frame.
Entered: 5:35:25
